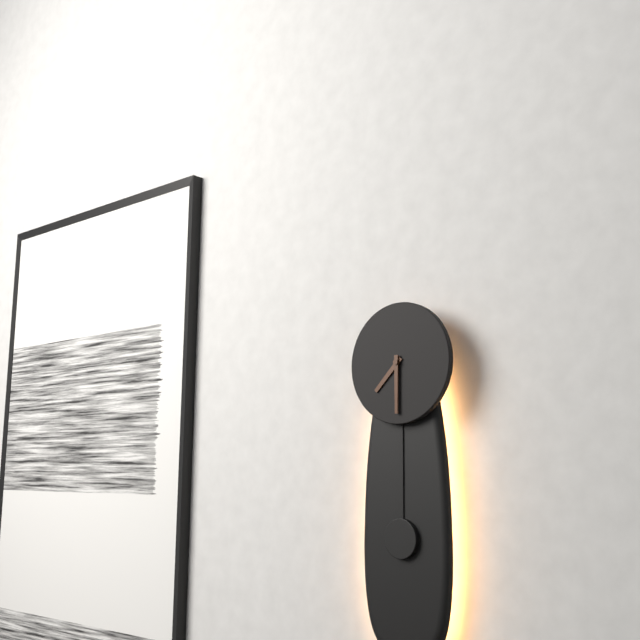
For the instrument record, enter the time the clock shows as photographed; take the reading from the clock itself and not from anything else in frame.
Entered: 7:30
